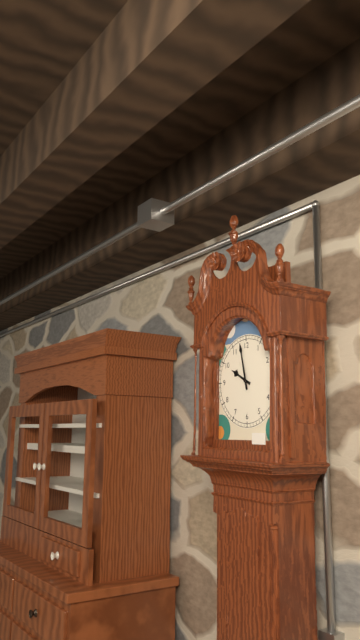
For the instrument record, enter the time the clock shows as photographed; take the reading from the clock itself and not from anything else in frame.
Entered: 9:58
